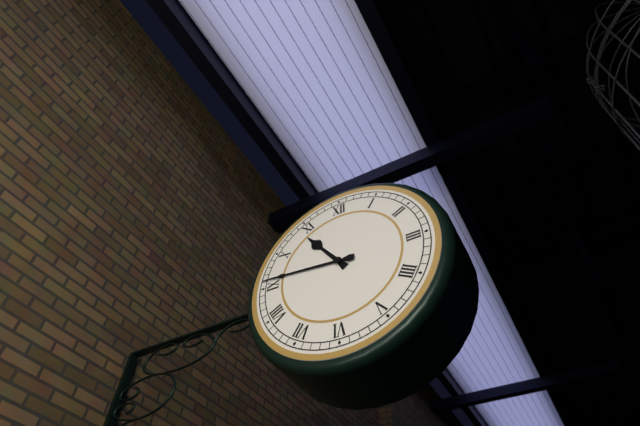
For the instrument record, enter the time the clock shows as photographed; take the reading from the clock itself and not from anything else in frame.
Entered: 10:46
